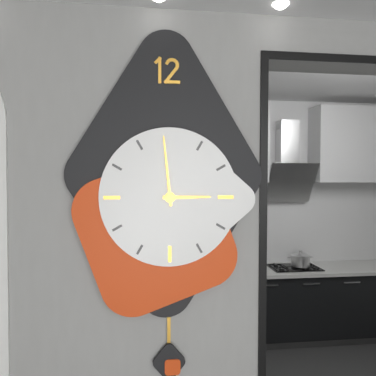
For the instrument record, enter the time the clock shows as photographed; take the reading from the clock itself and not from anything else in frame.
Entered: 2:59
